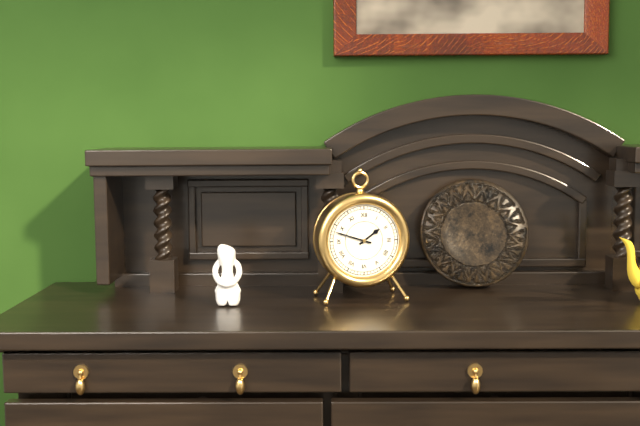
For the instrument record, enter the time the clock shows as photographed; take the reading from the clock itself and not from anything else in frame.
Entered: 1:48
